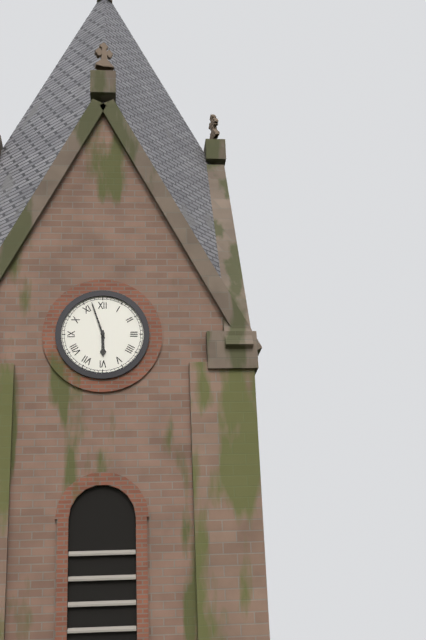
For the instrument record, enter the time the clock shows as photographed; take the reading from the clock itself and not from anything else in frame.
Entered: 5:57
